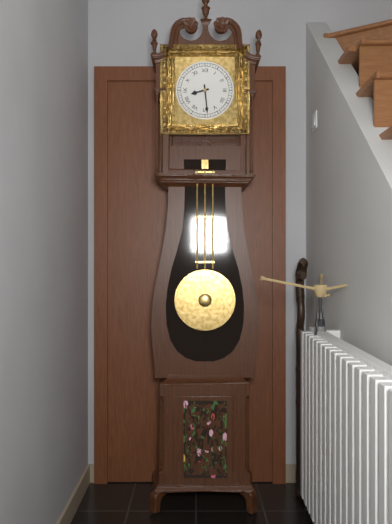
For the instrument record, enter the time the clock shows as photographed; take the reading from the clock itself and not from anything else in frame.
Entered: 8:29
